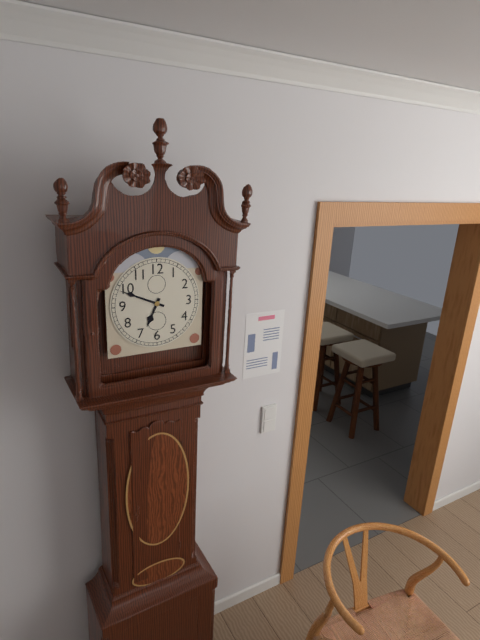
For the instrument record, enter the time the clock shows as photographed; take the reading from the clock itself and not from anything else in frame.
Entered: 6:49
